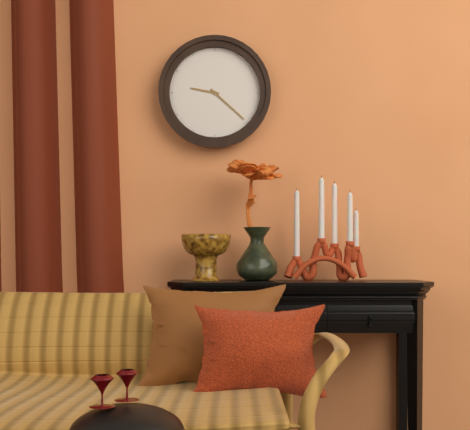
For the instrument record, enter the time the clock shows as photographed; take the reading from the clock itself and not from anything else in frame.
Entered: 9:22
